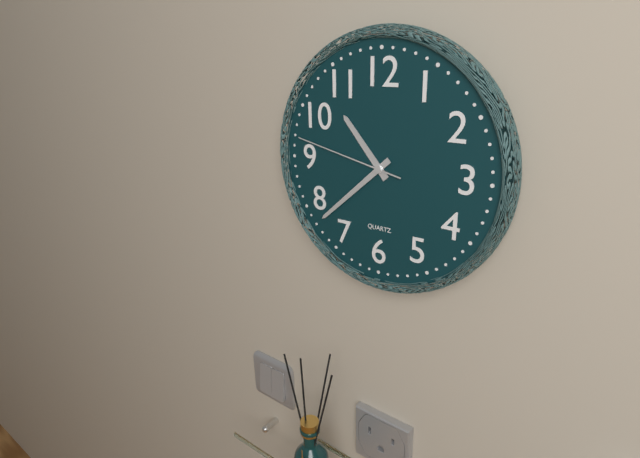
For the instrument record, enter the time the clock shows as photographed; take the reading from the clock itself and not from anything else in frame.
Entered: 10:38:47
